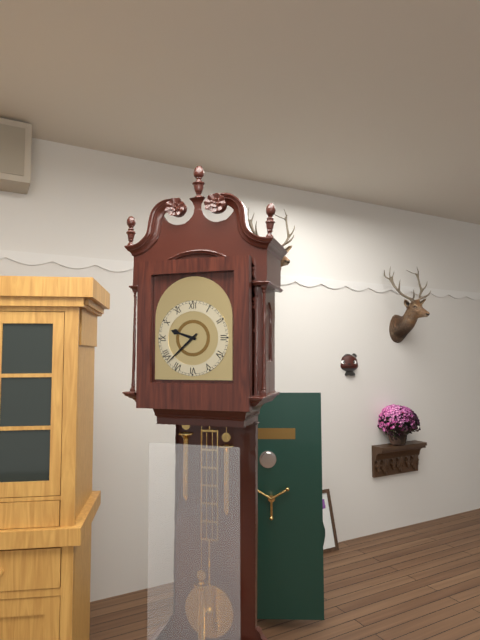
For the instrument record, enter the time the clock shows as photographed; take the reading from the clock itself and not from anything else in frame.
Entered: 9:38
